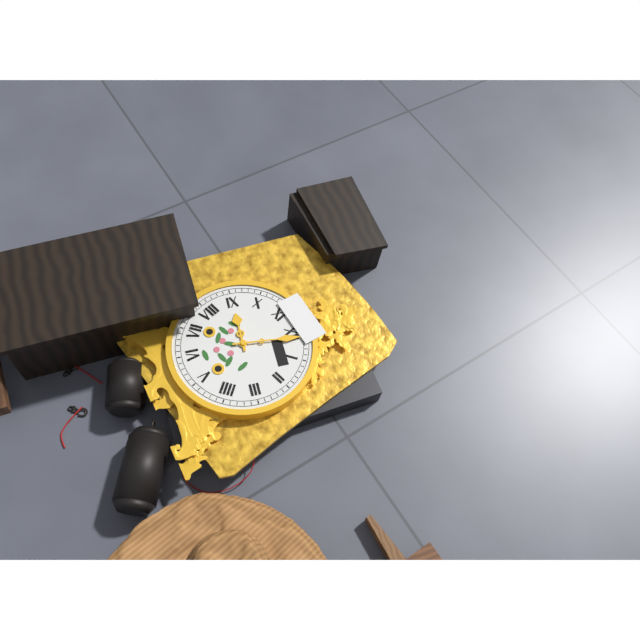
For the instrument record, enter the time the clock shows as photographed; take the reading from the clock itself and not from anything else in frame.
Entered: 9:01
